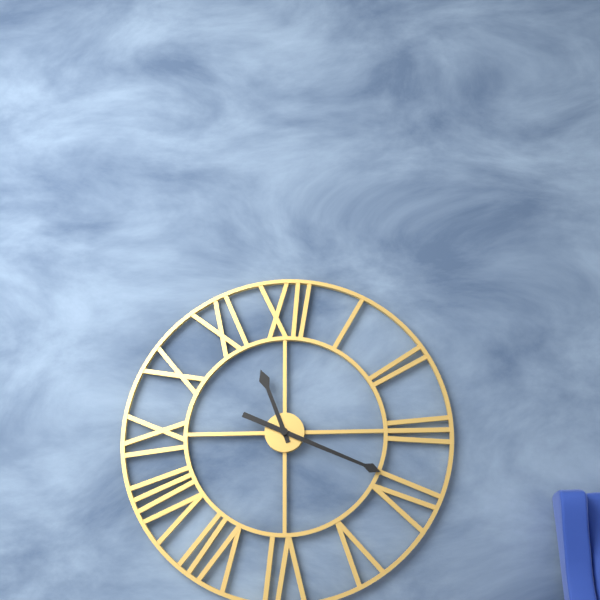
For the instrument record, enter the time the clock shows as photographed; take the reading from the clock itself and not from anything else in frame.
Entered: 11:19
